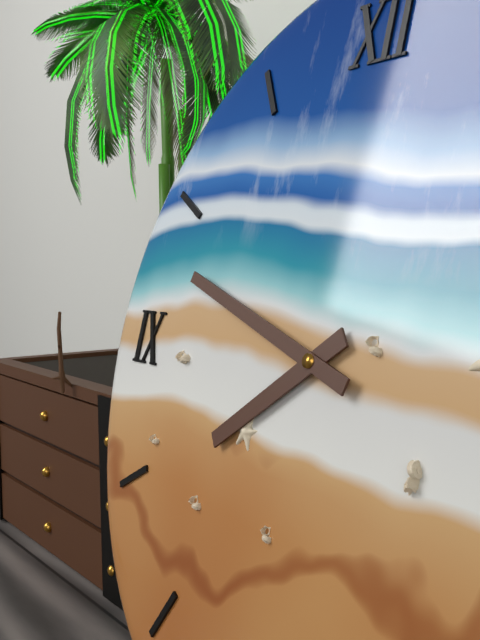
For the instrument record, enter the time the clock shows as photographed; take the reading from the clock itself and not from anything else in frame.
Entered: 7:48
